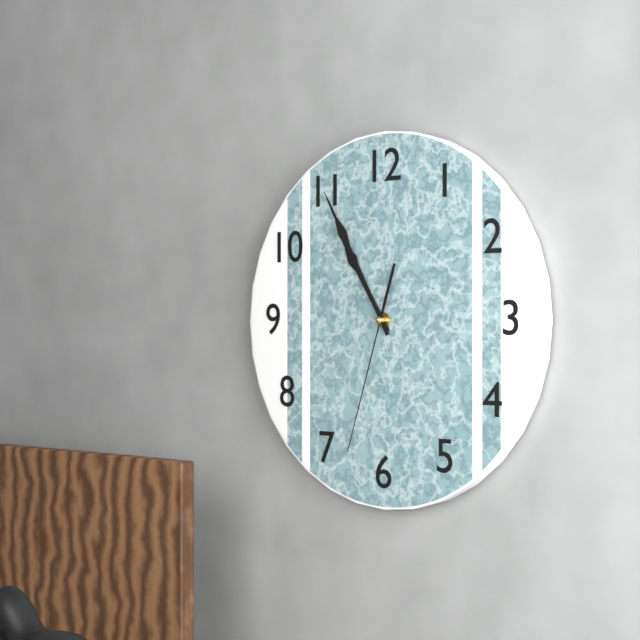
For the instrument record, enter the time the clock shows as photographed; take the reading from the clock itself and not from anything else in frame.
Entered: 10:55:33
